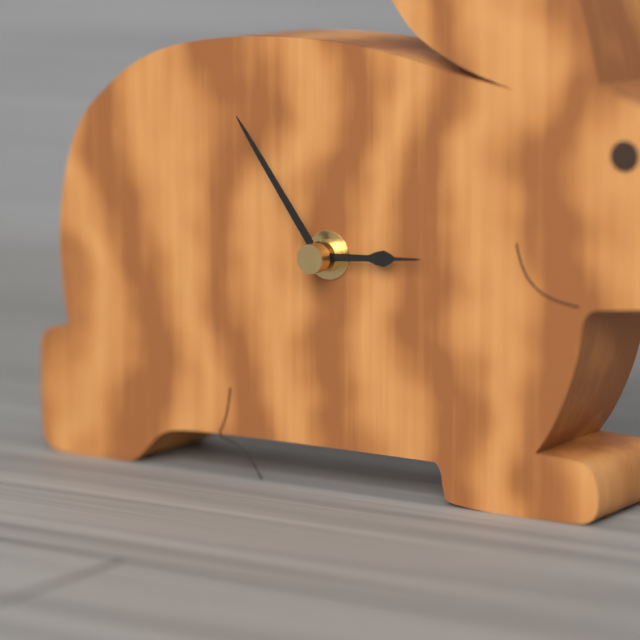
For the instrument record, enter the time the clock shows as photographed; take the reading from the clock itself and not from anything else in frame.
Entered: 2:54
